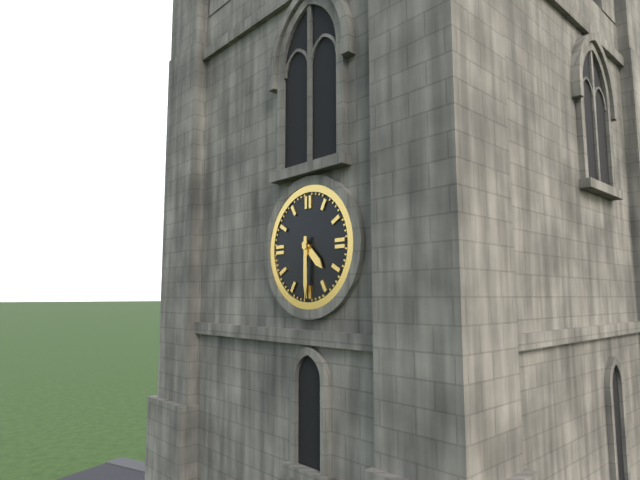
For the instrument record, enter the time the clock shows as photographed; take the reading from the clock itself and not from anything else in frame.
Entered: 4:30
